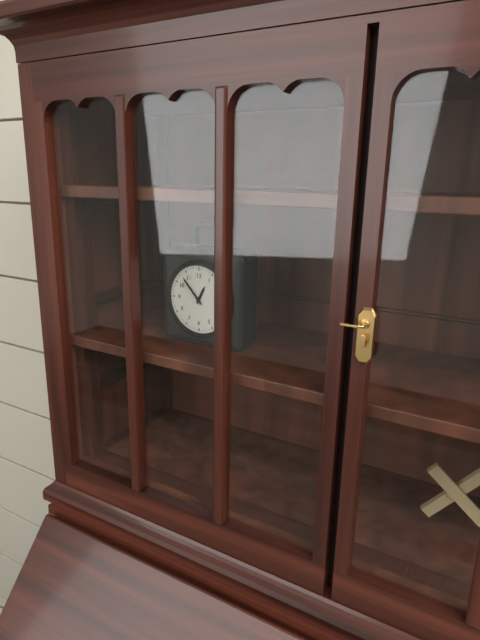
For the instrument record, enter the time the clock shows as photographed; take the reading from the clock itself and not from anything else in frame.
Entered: 12:53
